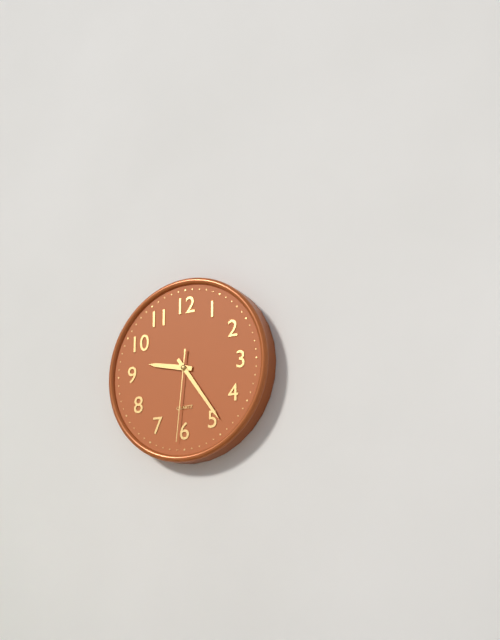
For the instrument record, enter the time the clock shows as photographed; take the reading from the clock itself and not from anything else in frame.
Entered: 9:24:31
